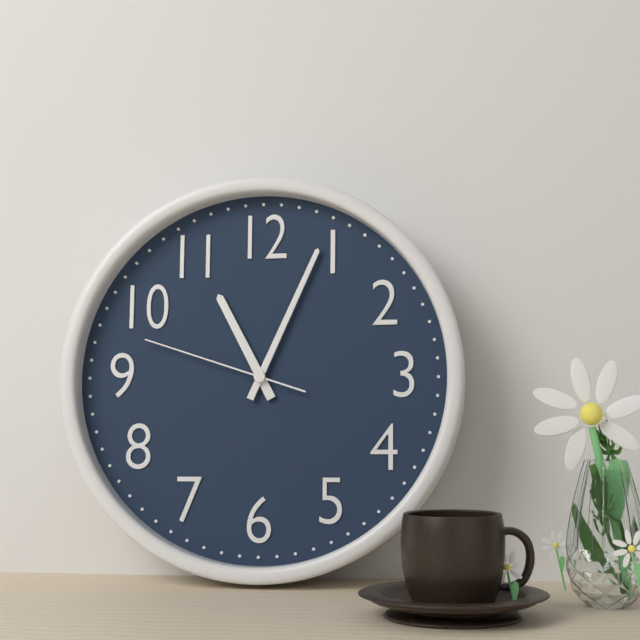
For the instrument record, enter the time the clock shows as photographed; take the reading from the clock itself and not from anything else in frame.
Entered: 11:04:48
